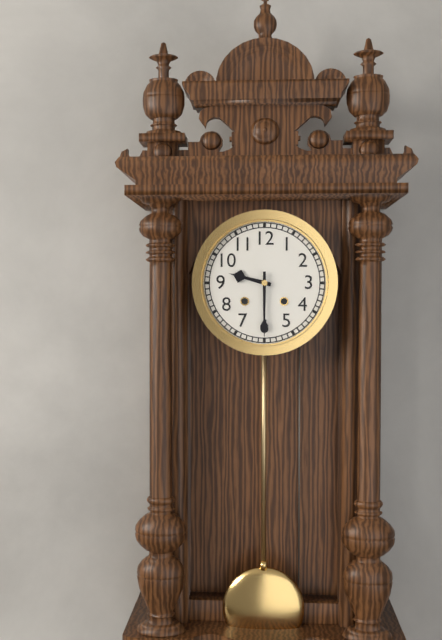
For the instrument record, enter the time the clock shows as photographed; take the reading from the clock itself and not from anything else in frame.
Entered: 9:30
